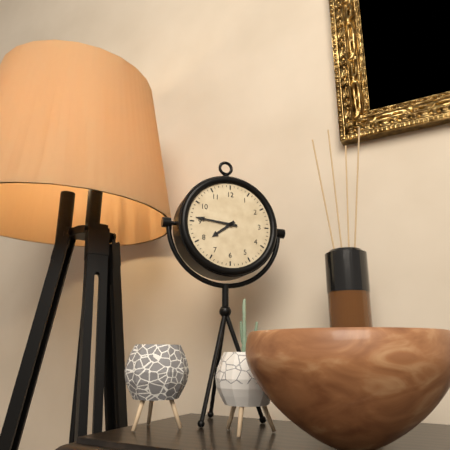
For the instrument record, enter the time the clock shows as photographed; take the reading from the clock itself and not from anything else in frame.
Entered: 7:46
